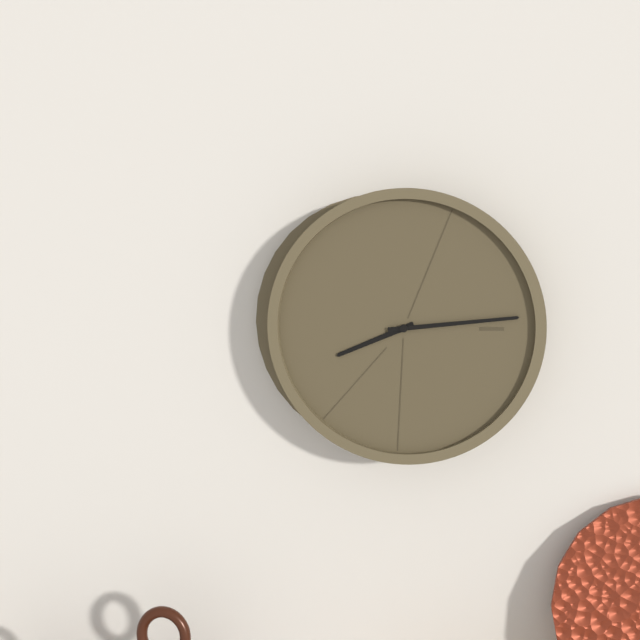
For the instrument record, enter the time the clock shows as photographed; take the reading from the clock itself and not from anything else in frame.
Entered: 8:14
